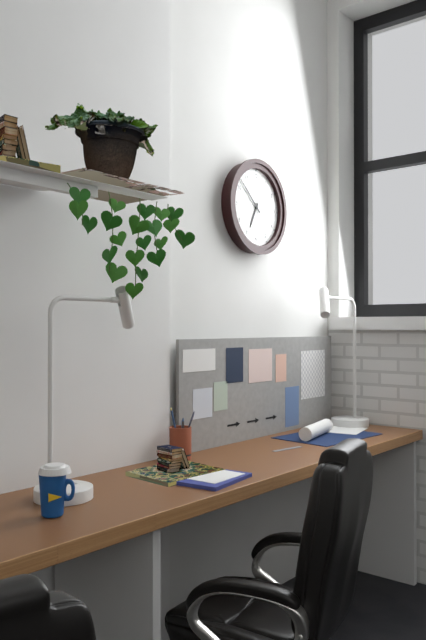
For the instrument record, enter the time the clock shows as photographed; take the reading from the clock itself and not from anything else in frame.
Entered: 6:52
